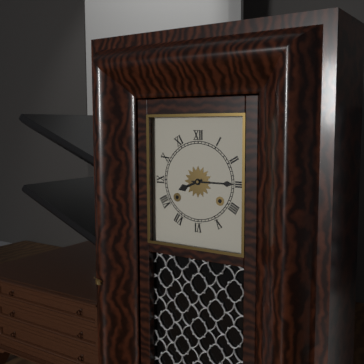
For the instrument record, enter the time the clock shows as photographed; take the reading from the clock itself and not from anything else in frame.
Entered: 8:15
